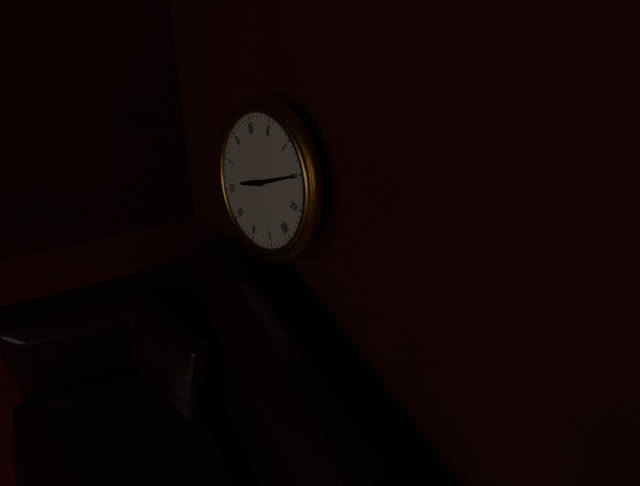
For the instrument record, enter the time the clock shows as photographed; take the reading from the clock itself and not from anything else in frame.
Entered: 8:10
